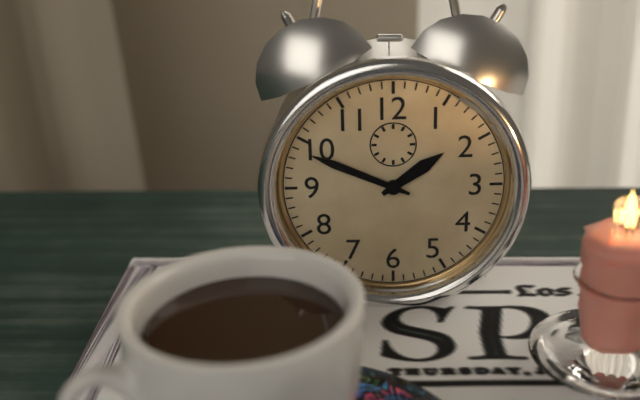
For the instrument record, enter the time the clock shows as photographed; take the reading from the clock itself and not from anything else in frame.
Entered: 1:49
